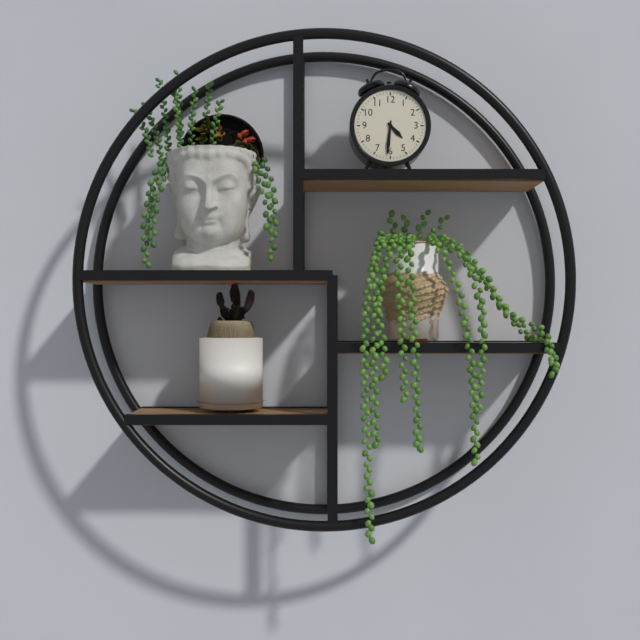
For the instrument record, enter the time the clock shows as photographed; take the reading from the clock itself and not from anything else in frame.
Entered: 4:31
